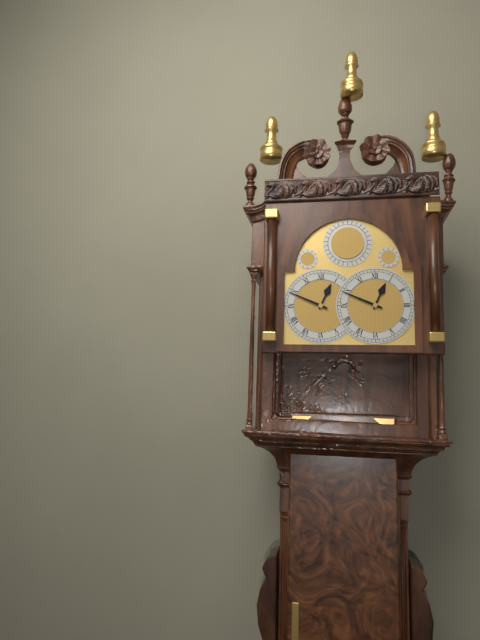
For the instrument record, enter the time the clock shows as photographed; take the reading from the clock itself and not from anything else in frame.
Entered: 12:49
